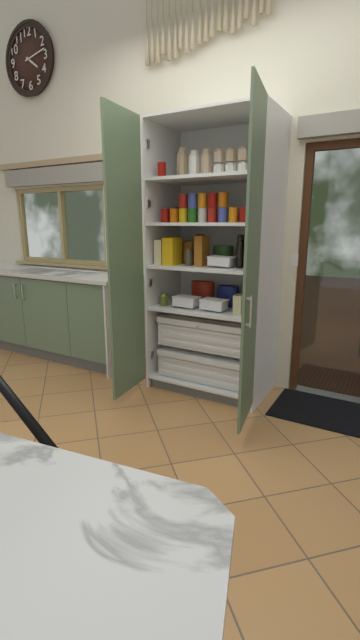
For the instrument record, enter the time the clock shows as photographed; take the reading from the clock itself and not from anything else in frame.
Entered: 4:13
